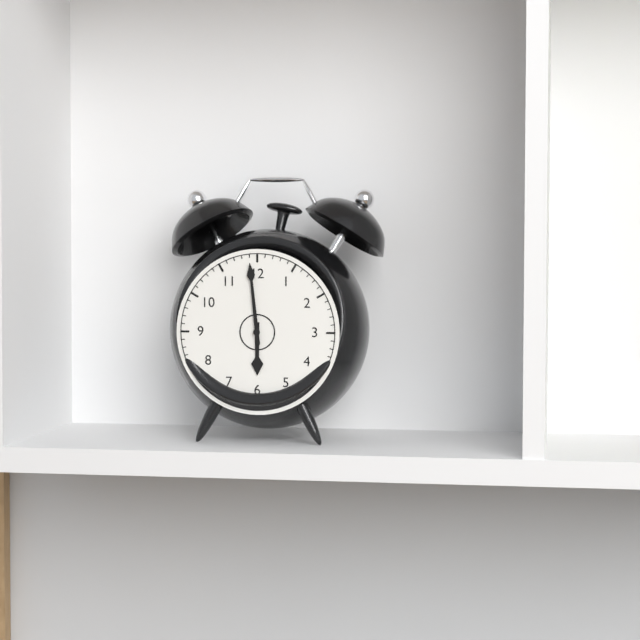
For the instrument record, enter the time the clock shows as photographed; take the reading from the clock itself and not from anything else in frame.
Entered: 5:59
